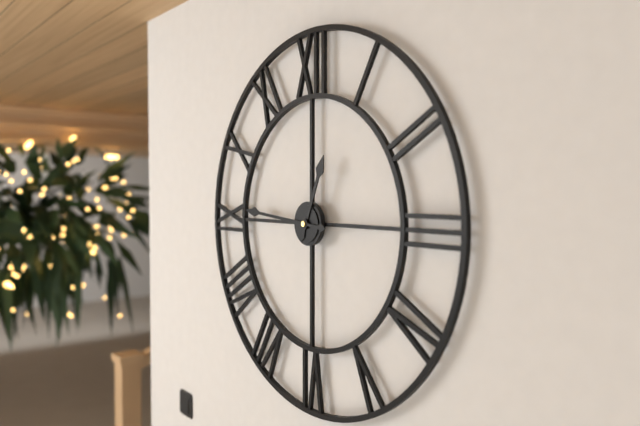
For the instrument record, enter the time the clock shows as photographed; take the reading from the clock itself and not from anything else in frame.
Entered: 12:46
